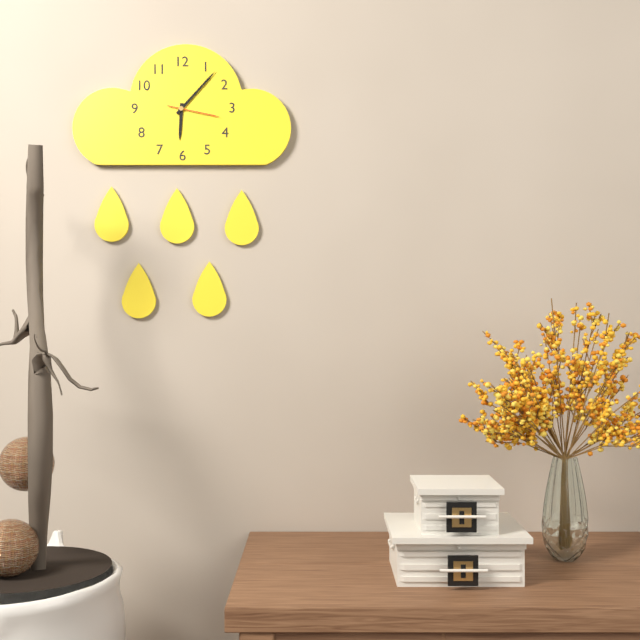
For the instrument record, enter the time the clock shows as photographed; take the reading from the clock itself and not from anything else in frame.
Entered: 6:07:17
